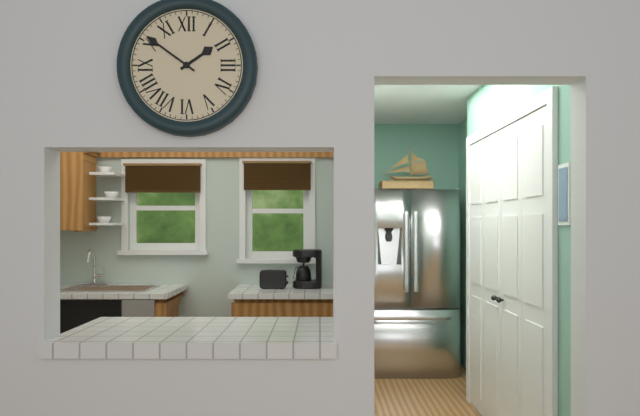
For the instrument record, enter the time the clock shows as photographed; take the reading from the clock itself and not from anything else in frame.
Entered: 1:51
